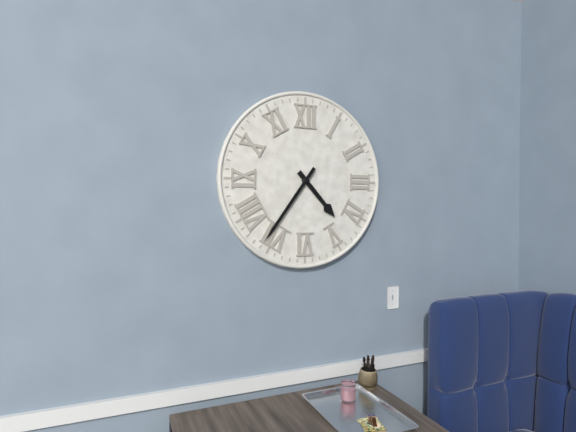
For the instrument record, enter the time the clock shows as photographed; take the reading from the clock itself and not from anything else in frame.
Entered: 4:36
